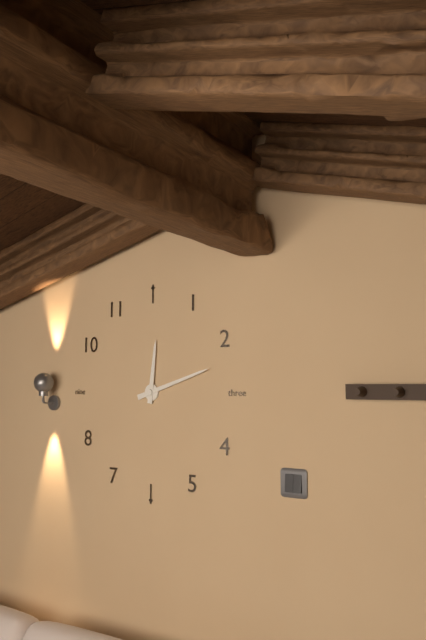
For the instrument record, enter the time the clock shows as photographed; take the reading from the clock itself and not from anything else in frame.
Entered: 12:12
